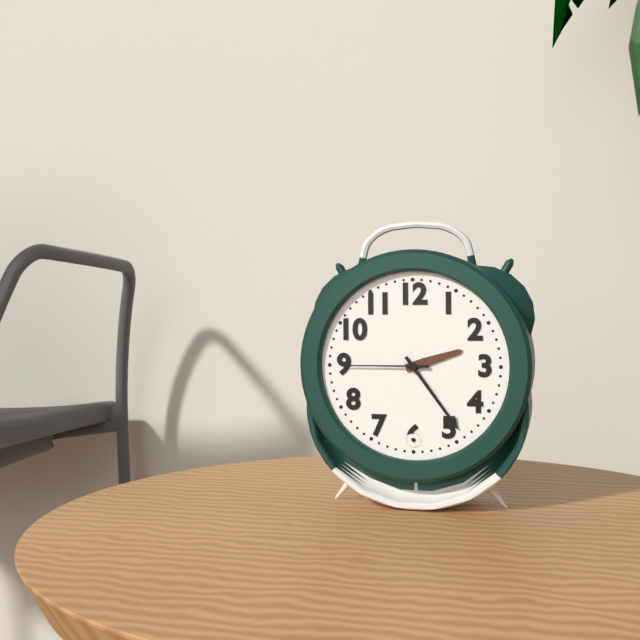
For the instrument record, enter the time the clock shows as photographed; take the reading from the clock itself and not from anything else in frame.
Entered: 2:24:45
